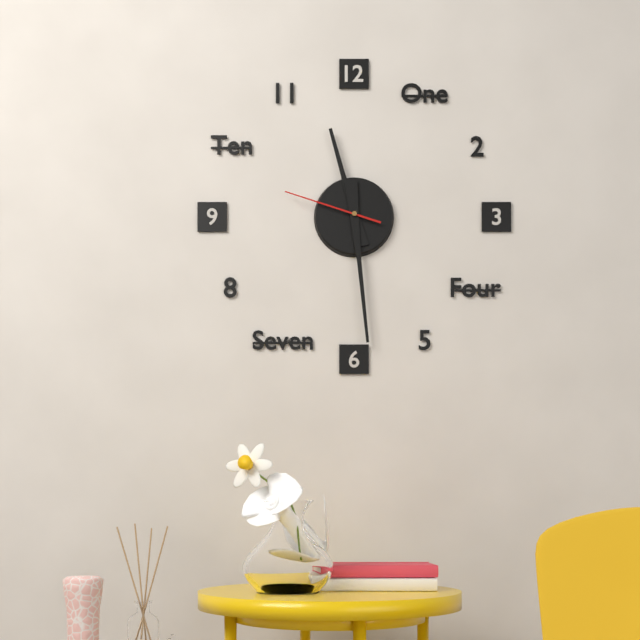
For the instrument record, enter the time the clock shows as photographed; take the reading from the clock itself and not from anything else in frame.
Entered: 11:29:48
